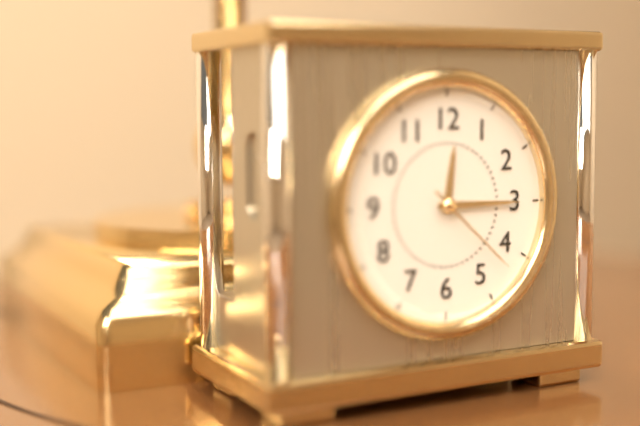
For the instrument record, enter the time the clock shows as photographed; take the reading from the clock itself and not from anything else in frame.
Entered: 12:15:22
